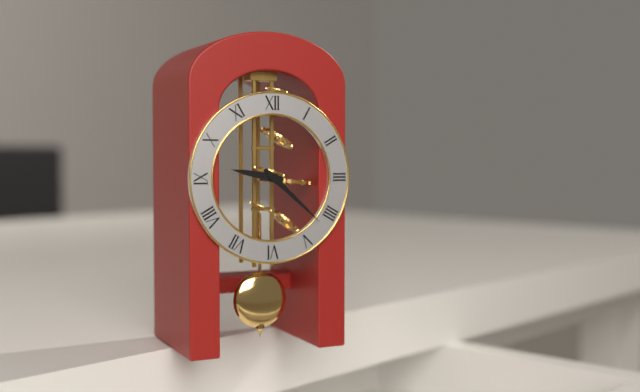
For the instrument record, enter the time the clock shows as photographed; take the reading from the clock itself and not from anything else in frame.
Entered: 9:22
